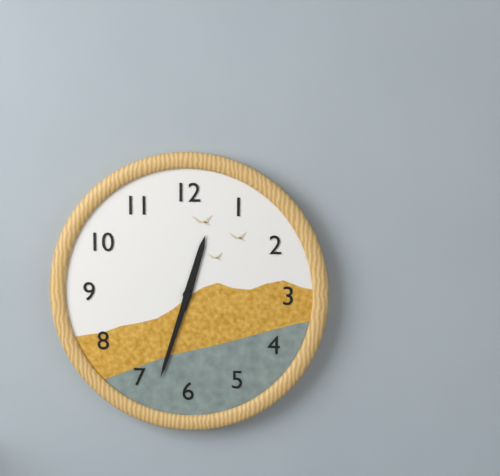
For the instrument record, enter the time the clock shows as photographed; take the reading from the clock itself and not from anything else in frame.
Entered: 12:33
